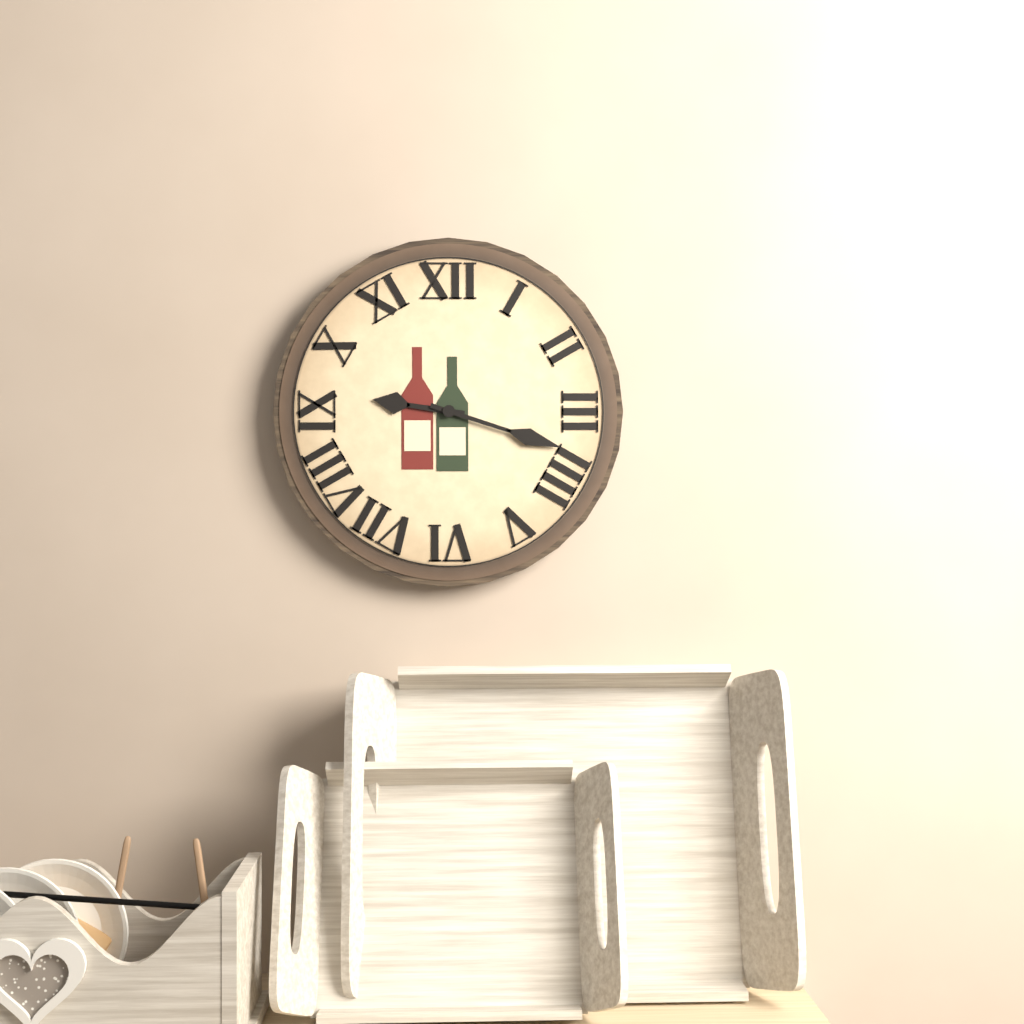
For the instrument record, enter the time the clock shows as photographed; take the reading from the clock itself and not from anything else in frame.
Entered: 9:18
